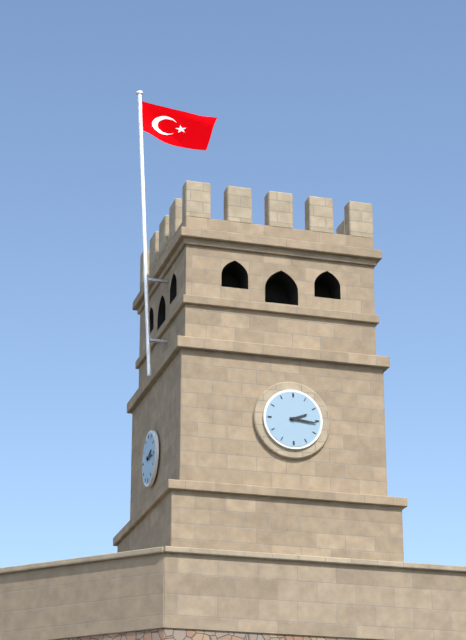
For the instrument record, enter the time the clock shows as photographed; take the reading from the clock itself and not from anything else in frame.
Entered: 2:16
